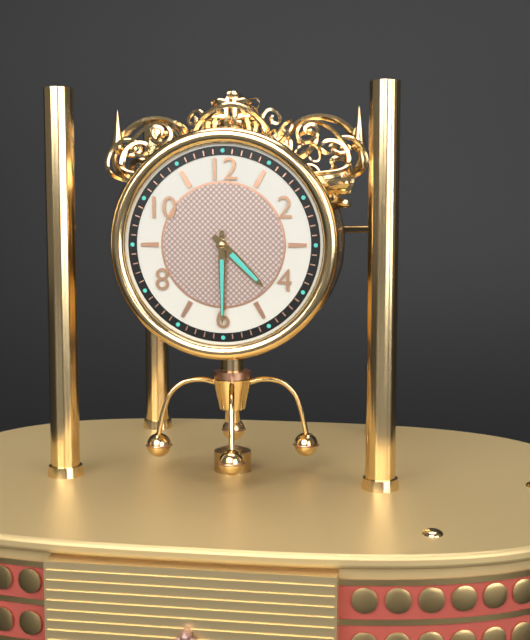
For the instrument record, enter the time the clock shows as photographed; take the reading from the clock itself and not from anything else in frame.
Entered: 4:30
